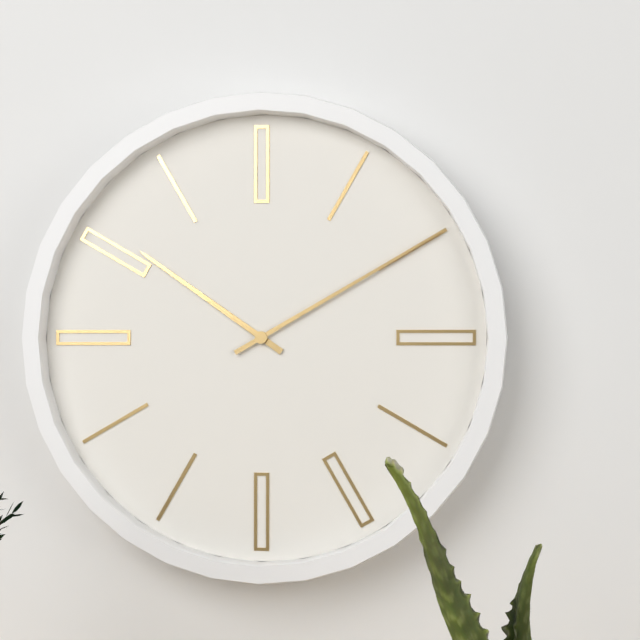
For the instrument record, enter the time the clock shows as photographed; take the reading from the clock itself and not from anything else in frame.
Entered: 10:10
